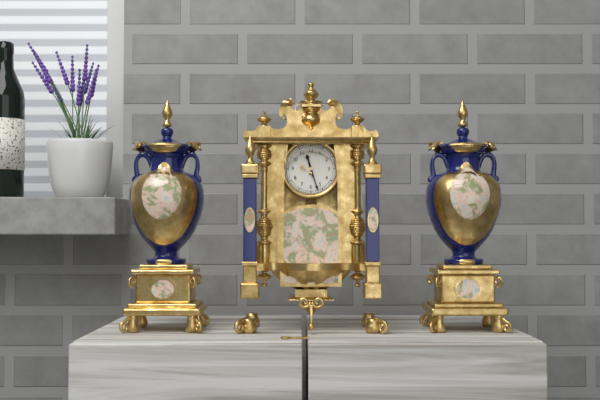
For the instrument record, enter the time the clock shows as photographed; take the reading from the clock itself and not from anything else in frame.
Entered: 11:27
